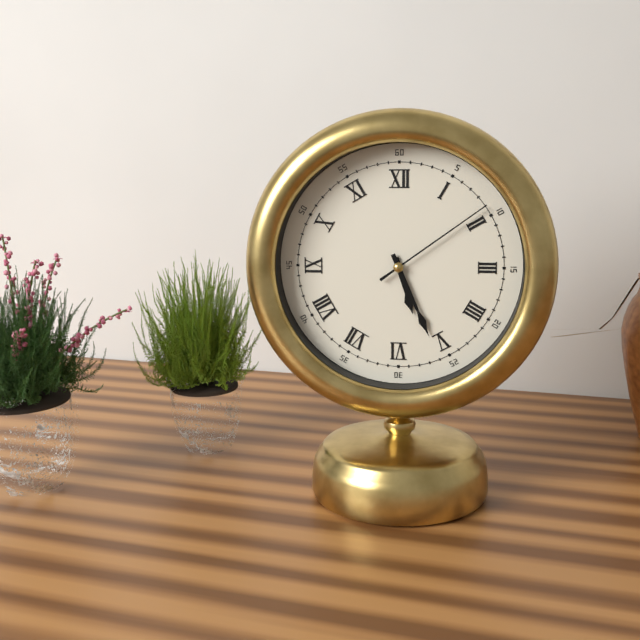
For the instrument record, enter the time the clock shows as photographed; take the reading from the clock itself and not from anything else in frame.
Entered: 5:26:09
